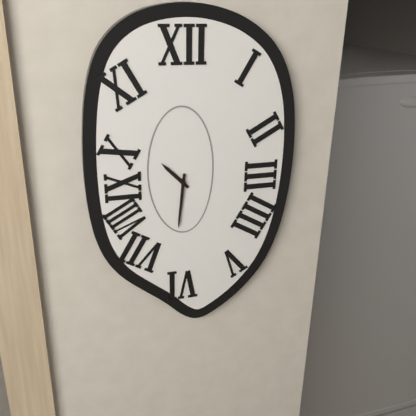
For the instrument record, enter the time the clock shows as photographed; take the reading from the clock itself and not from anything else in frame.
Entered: 10:31
